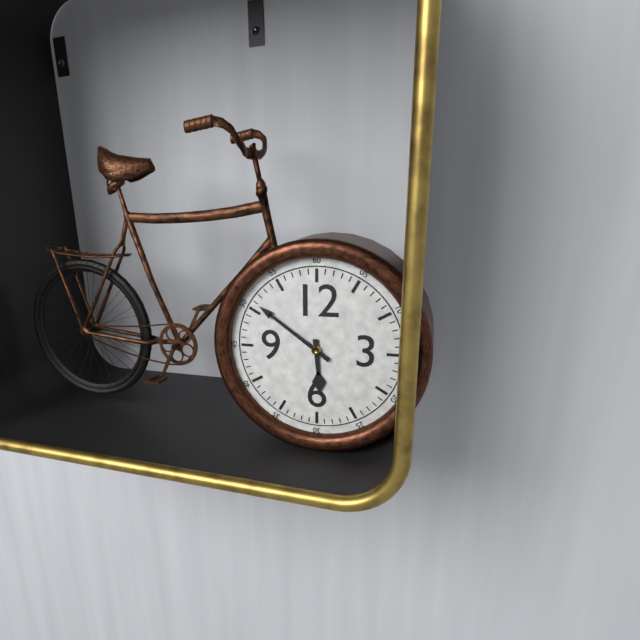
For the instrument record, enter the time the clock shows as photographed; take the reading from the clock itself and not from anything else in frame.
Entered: 5:51
